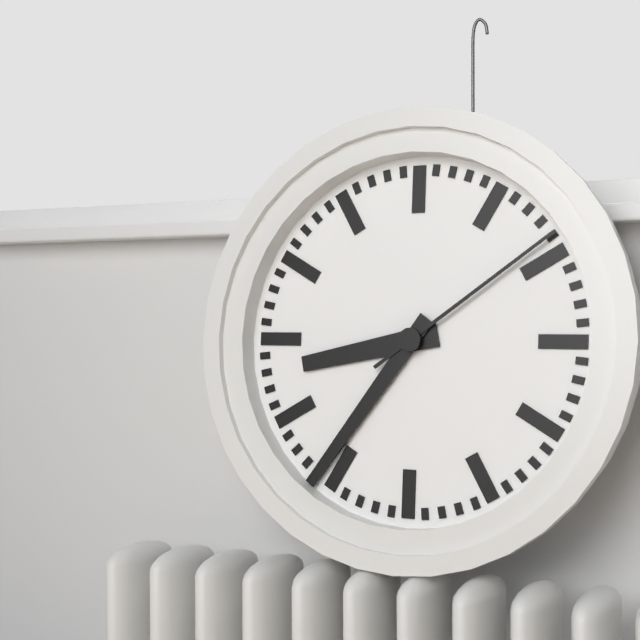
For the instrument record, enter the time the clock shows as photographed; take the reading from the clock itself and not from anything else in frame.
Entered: 8:36:09
